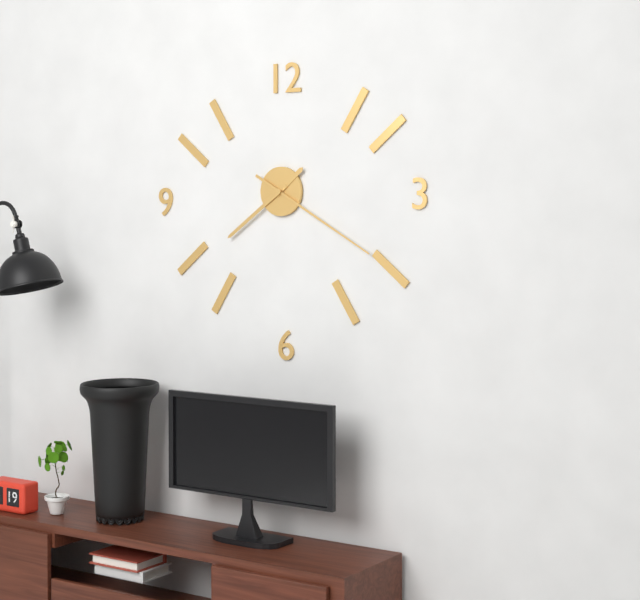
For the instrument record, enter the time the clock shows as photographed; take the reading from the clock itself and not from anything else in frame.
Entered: 1:39:20
